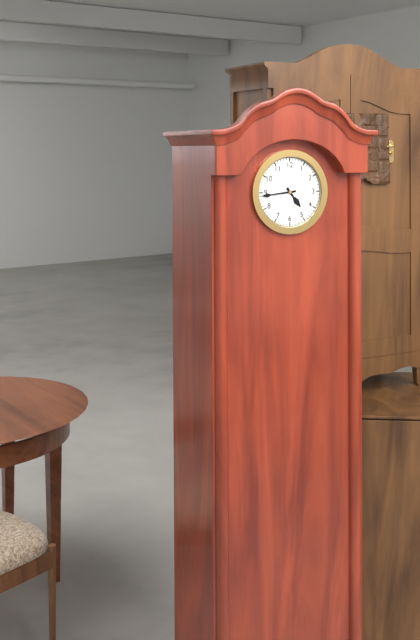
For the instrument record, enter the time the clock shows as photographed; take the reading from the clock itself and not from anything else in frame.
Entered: 4:44
